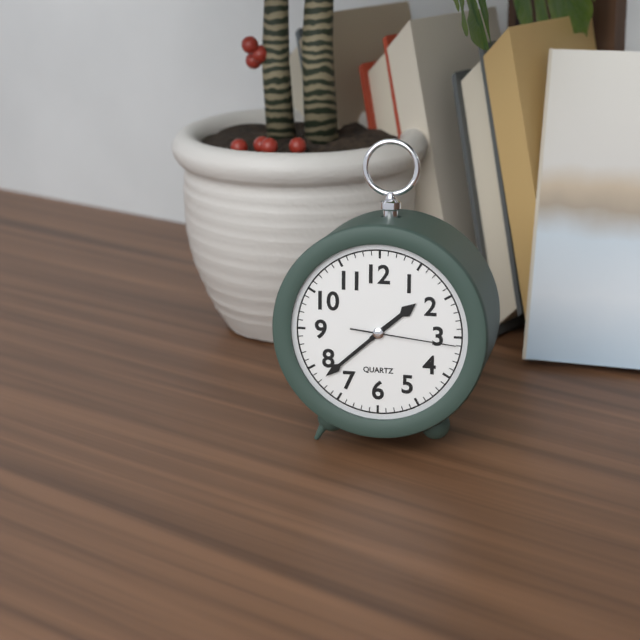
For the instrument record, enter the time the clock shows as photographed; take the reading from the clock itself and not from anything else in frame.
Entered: 1:38:16
